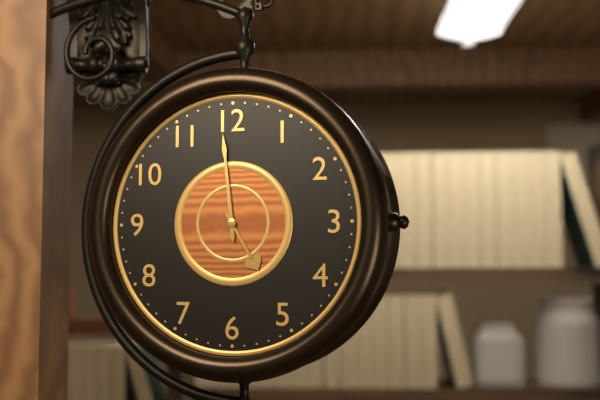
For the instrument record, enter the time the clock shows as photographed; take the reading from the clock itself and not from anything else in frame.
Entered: 4:59
